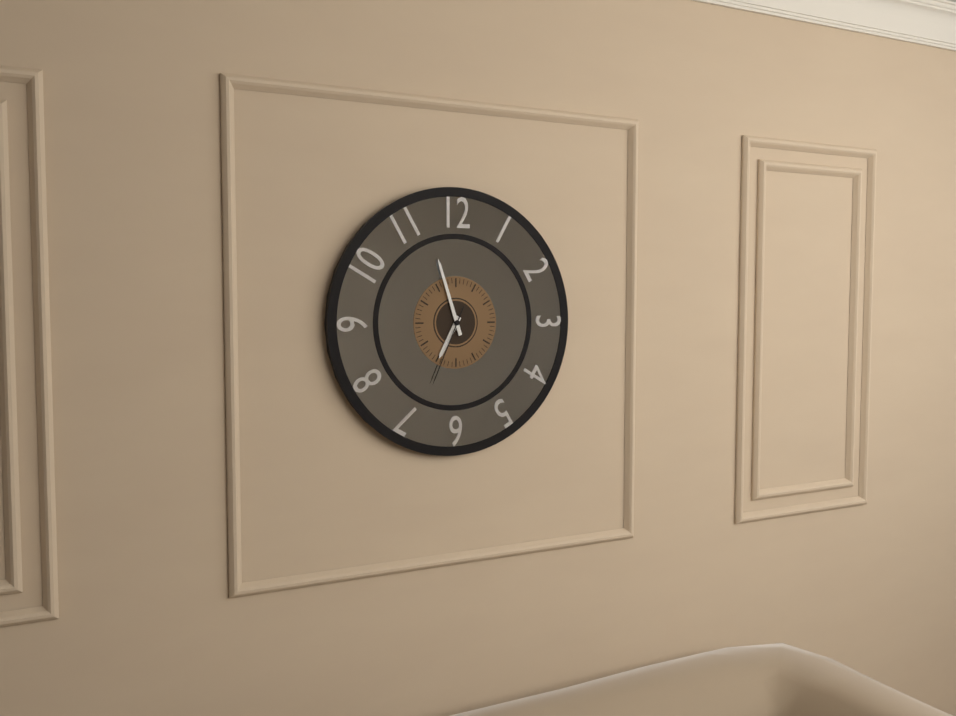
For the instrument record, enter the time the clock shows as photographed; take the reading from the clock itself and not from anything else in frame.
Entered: 6:57:34
